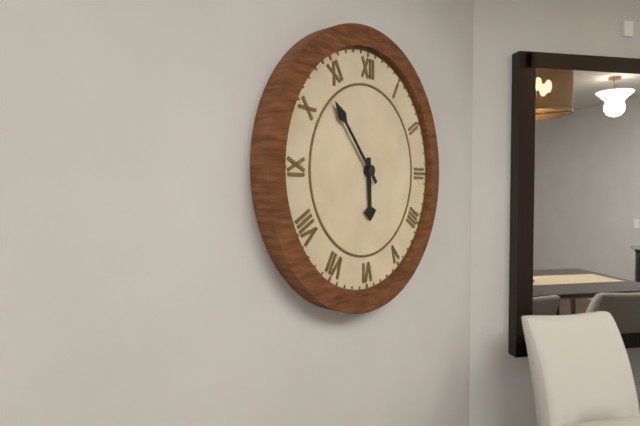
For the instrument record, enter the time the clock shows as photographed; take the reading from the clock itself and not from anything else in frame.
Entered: 5:53
